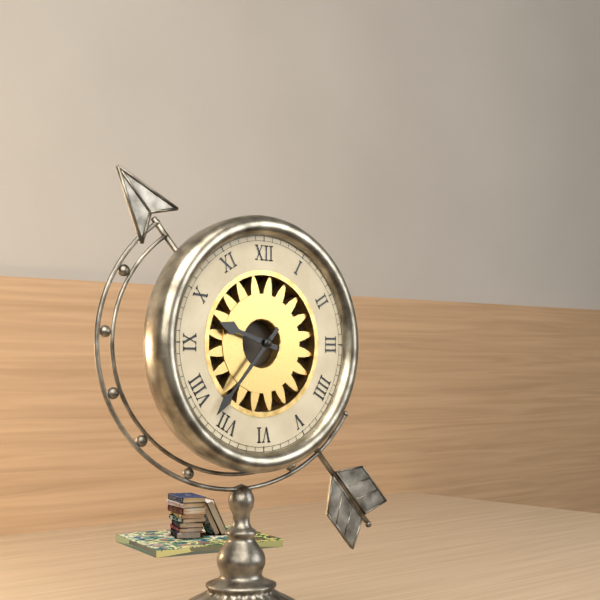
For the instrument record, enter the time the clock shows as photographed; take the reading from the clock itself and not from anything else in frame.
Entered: 9:37
